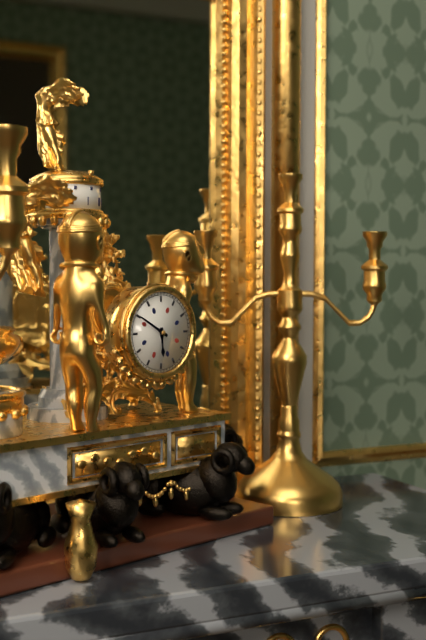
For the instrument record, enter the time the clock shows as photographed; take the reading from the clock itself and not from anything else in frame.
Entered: 5:50
